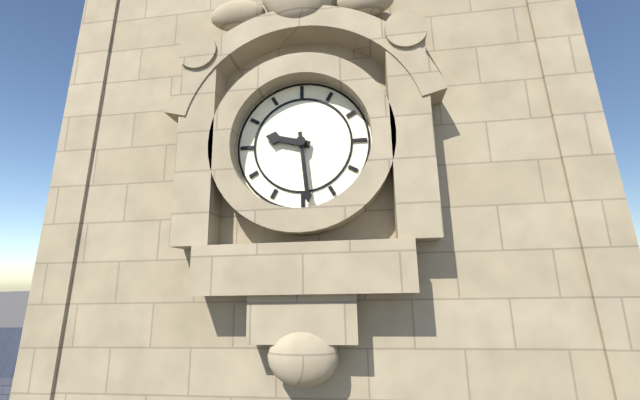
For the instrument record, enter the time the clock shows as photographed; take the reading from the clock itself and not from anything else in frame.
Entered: 9:29
